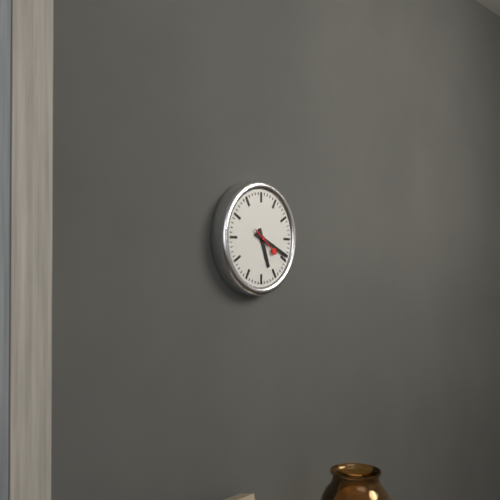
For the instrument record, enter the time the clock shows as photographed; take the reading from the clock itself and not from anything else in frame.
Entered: 5:19
